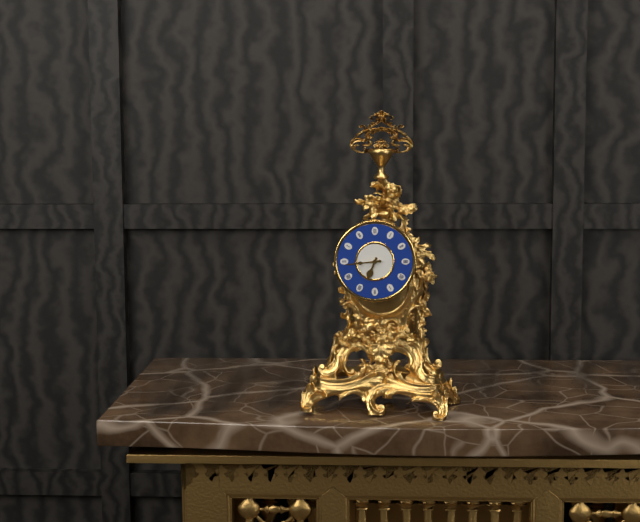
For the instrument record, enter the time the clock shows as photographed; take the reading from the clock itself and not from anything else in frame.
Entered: 6:44
